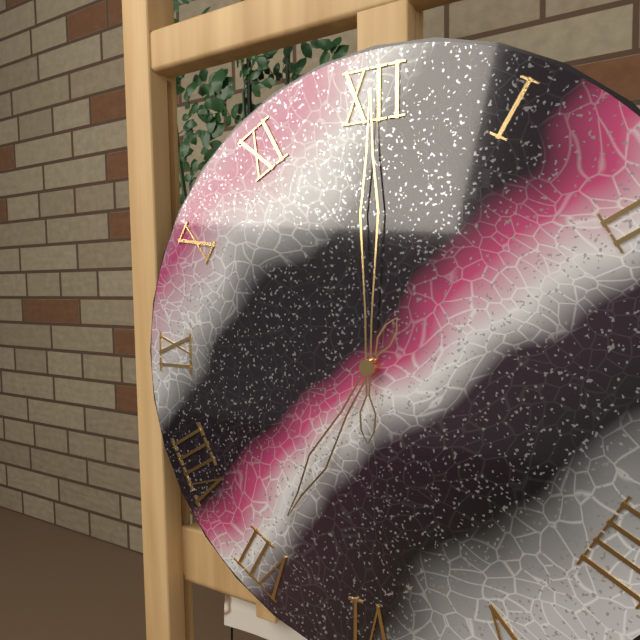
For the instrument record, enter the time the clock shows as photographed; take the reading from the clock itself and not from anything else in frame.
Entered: 7:00
